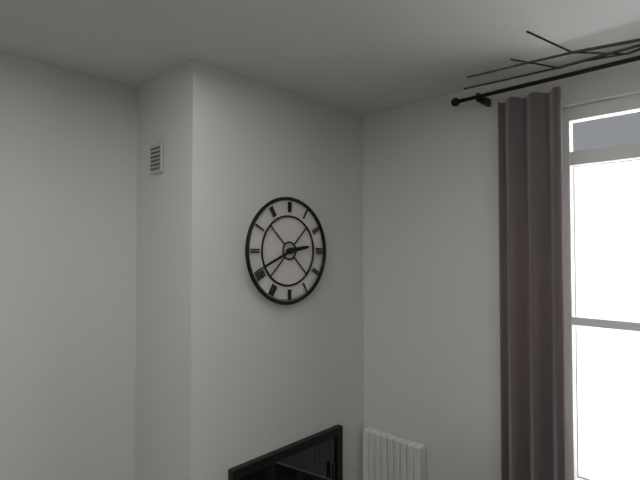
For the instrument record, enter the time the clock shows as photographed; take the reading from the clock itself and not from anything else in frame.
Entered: 2:41
